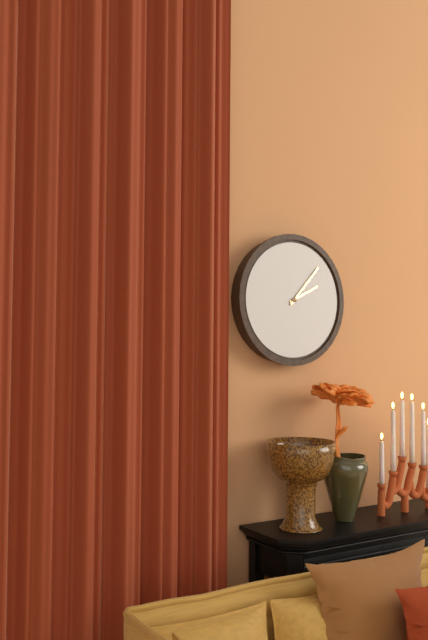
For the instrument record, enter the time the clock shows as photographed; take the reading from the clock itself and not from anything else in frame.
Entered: 2:07
